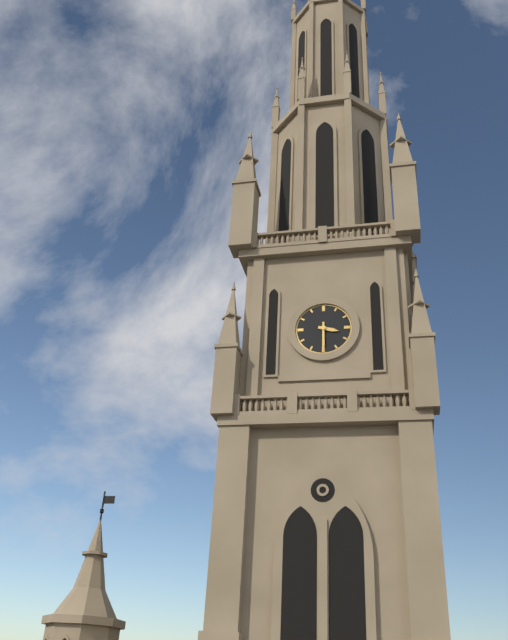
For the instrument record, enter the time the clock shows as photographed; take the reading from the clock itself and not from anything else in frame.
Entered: 3:30
